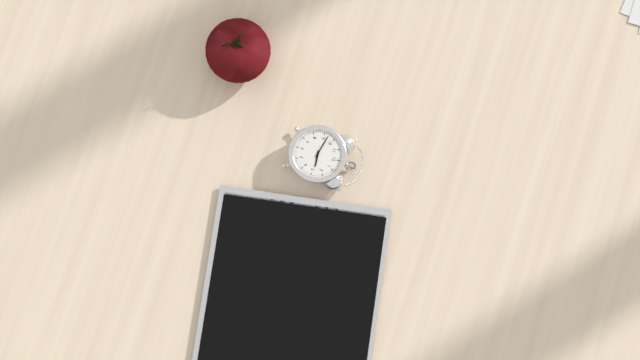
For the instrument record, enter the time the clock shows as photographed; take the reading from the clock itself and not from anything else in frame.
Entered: 2:47
